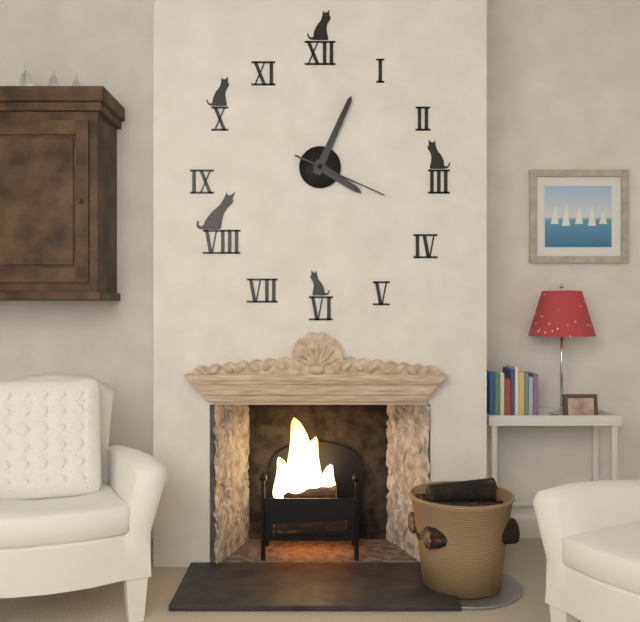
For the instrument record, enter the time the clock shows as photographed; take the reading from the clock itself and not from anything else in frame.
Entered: 4:04:19
